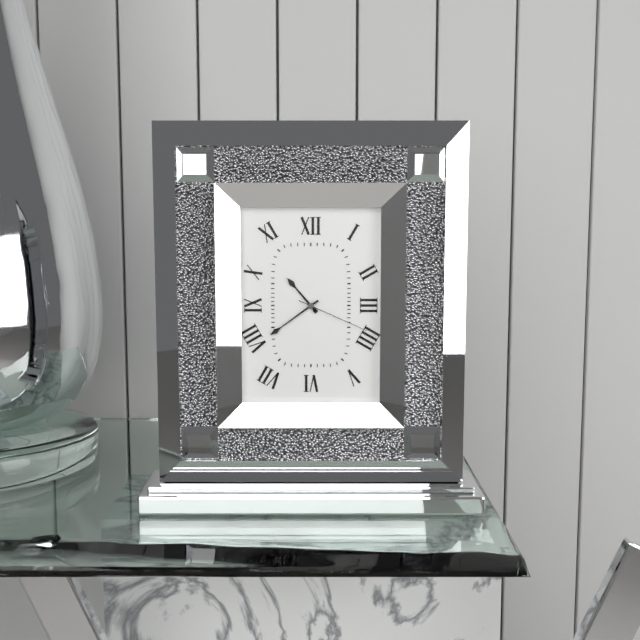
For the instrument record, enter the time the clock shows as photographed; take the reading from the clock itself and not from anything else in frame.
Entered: 10:39:19
